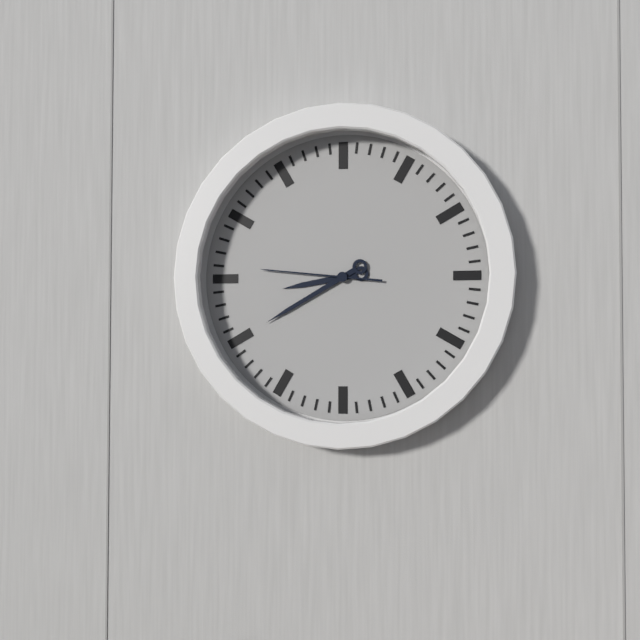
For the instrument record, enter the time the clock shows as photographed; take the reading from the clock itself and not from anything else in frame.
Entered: 8:40:46
